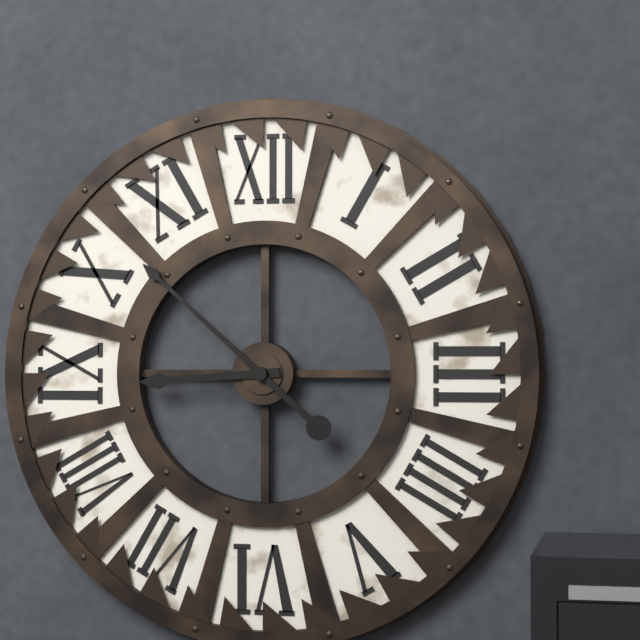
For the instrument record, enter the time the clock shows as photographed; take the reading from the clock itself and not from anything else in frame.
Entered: 8:52
